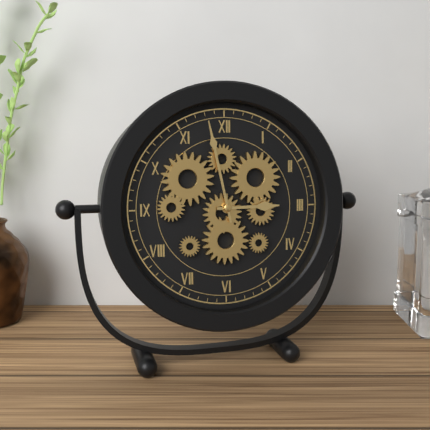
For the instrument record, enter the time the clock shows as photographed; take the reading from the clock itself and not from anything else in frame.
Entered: 2:58
